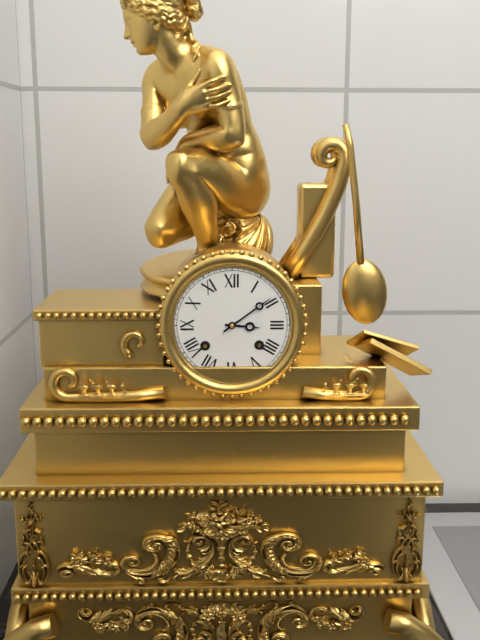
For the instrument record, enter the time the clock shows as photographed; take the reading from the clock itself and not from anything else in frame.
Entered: 3:09
